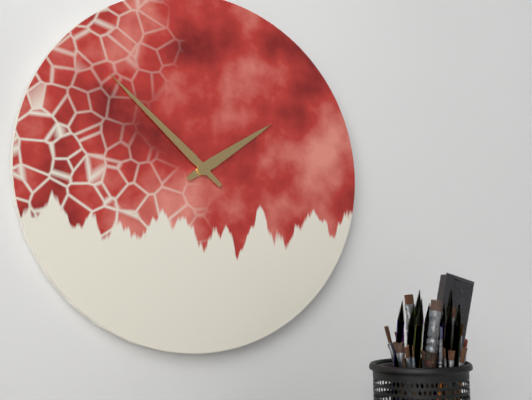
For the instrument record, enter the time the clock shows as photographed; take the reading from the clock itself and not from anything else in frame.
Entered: 1:52
